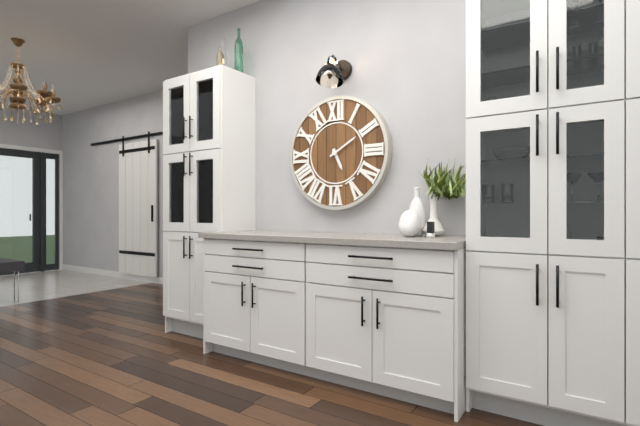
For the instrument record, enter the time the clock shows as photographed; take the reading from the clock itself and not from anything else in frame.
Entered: 5:10
